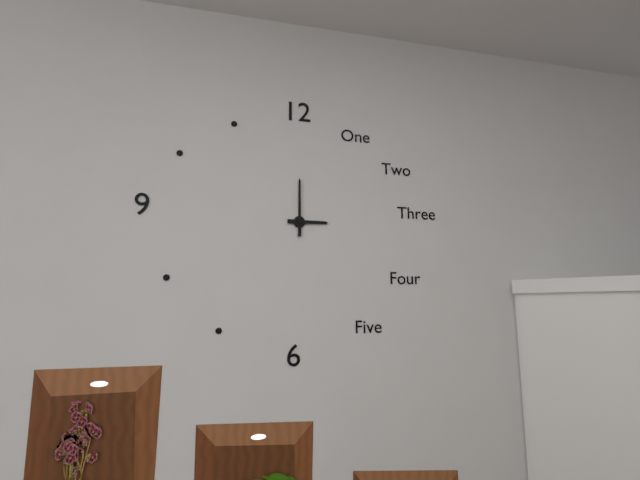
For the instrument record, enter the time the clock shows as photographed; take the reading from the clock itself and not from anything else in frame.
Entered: 3:00
